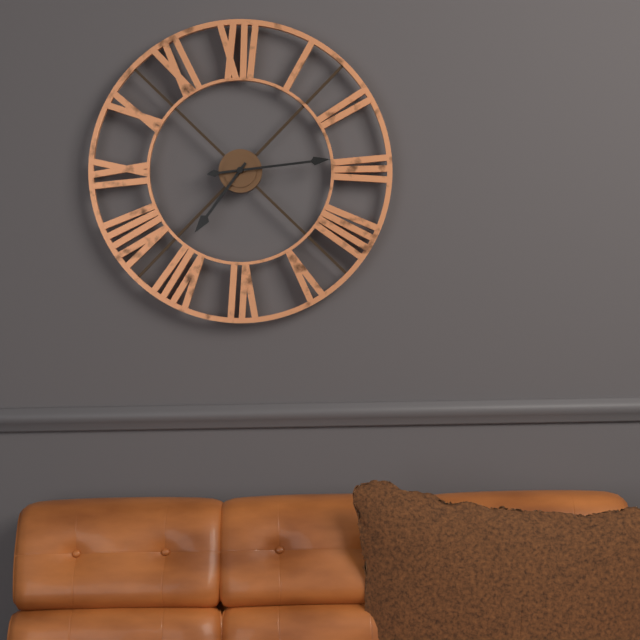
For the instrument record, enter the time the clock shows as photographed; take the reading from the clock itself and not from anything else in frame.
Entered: 7:14
